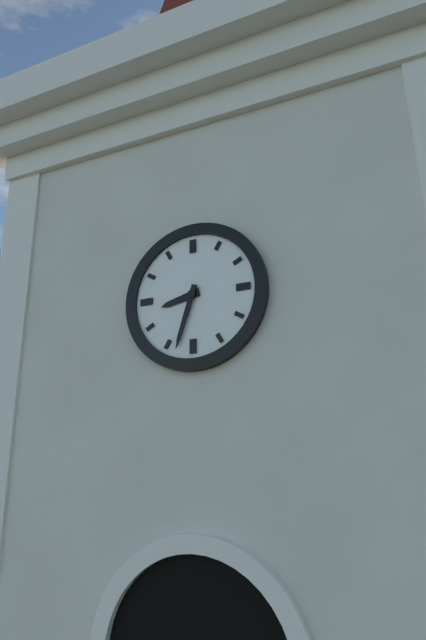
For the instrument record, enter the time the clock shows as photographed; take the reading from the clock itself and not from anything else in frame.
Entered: 8:33
